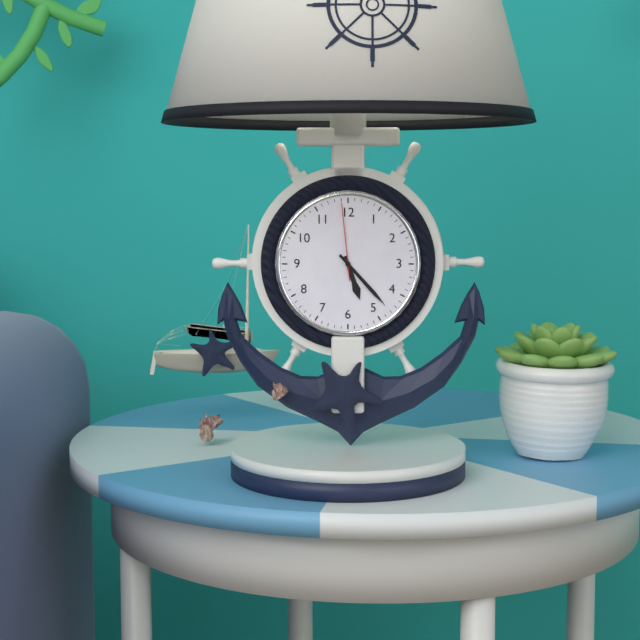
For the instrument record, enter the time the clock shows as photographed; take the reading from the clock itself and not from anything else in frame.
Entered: 5:23:59
